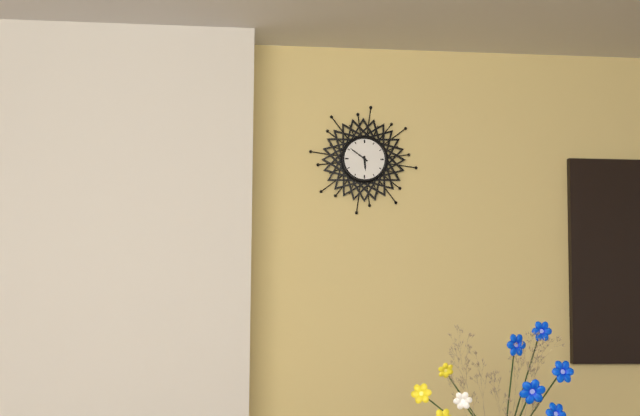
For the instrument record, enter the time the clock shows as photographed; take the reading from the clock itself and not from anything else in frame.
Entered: 5:51
